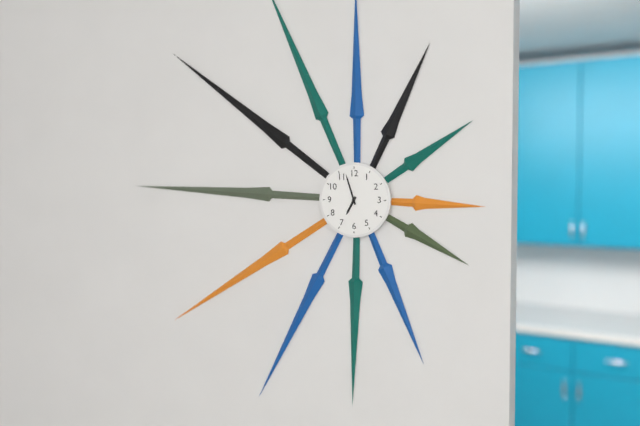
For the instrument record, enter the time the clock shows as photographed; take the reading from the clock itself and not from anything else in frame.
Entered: 6:57
